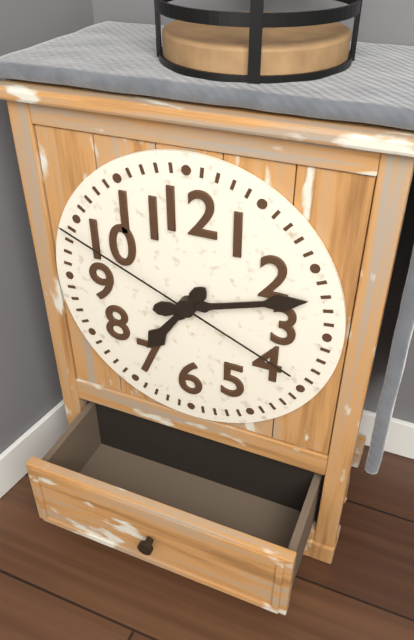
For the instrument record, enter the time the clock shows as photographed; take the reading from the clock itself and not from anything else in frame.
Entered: 7:12:49
